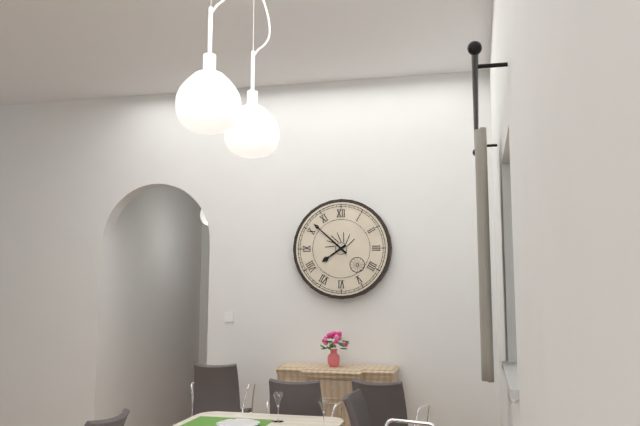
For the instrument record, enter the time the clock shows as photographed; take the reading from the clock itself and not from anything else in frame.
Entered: 7:52
